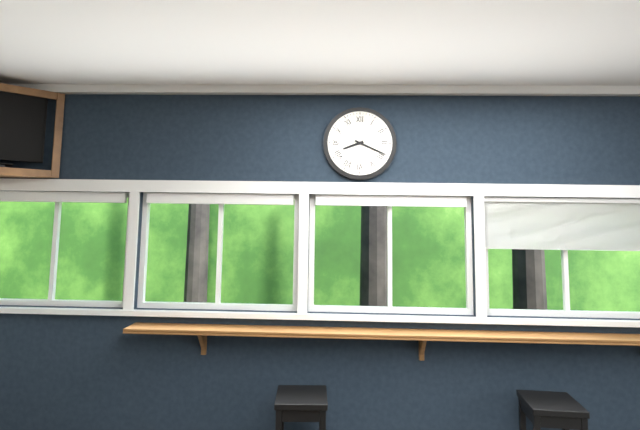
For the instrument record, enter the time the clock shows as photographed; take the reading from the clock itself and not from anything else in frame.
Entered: 8:19
